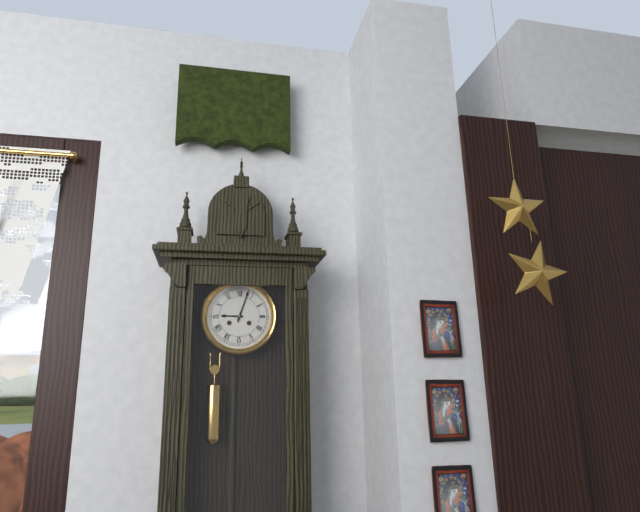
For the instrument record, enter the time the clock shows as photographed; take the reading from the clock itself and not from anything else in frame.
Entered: 9:03
